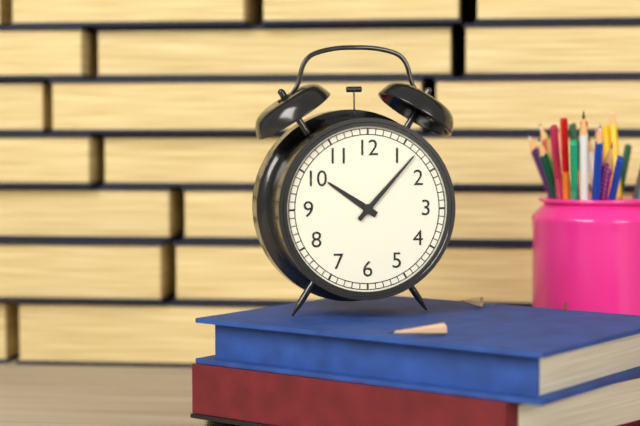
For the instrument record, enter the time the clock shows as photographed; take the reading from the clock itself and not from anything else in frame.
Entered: 10:07
